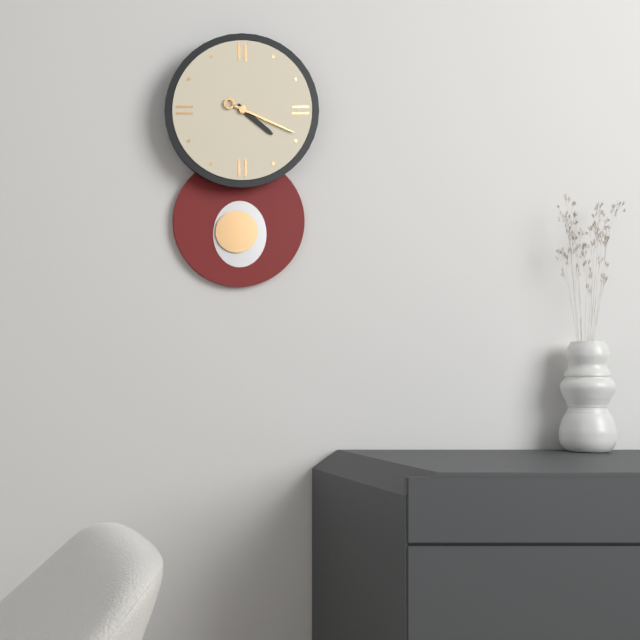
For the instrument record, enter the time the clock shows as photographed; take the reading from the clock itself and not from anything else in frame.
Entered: 4:19
